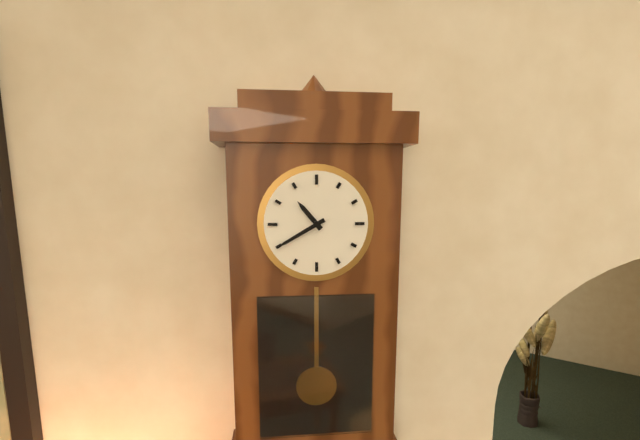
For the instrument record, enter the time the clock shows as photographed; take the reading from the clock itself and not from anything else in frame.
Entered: 10:40
